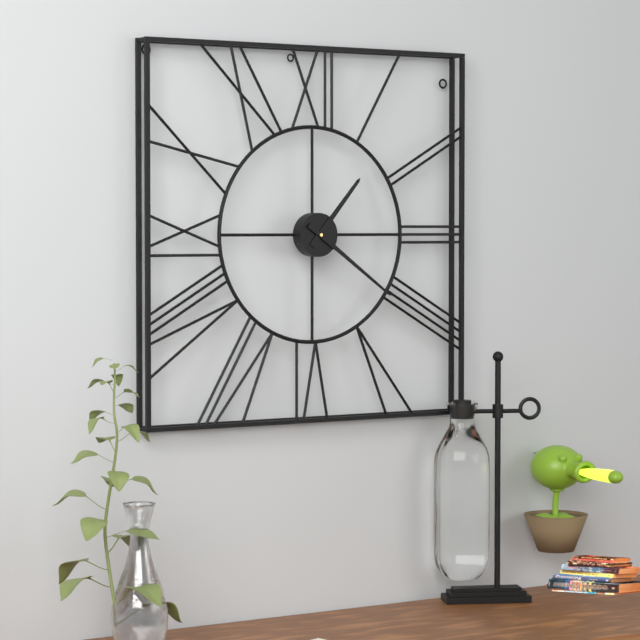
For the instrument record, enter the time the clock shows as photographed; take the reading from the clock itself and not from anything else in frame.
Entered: 1:21
